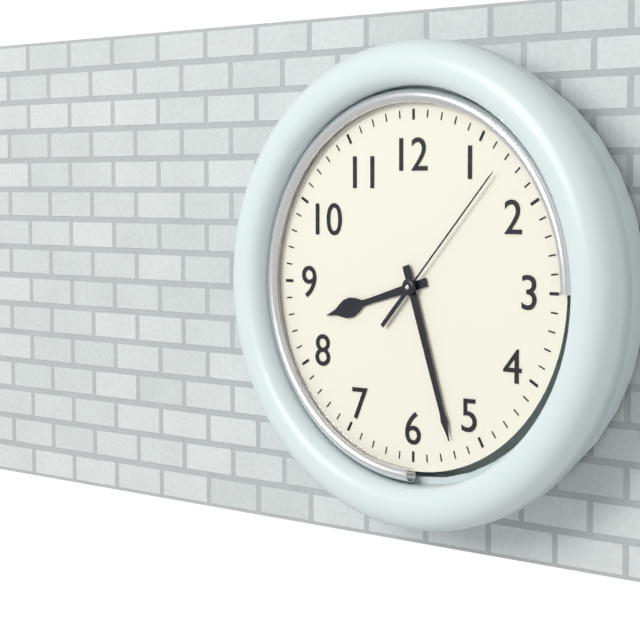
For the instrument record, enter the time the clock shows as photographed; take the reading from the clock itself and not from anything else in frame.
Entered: 8:27:07
